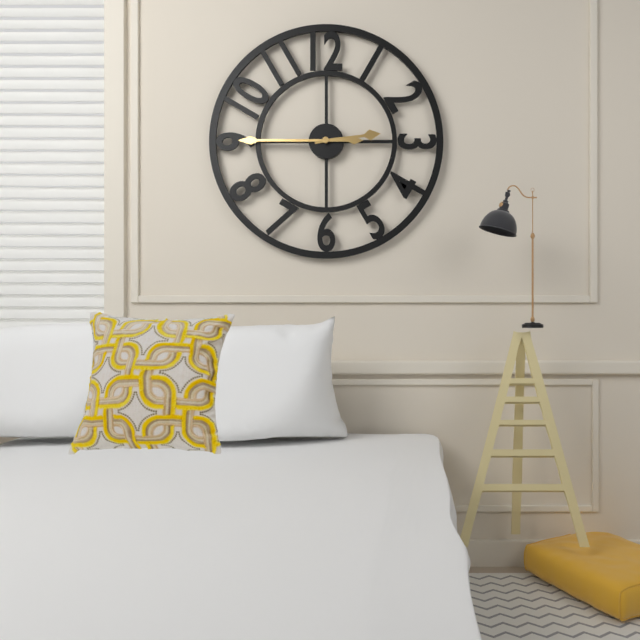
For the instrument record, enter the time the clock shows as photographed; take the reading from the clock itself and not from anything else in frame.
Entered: 2:45
